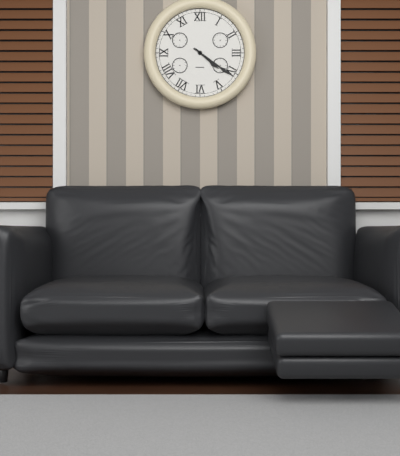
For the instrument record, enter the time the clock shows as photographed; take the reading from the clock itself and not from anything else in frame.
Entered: 4:21
